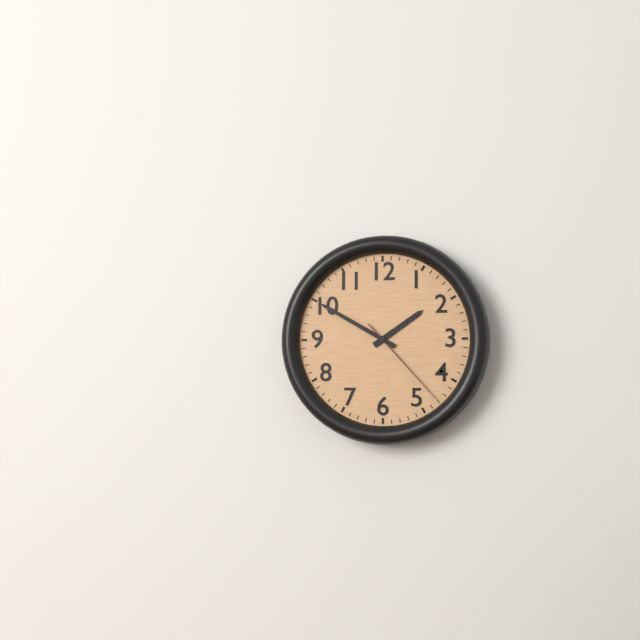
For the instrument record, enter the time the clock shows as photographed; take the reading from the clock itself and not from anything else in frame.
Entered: 1:50:23
